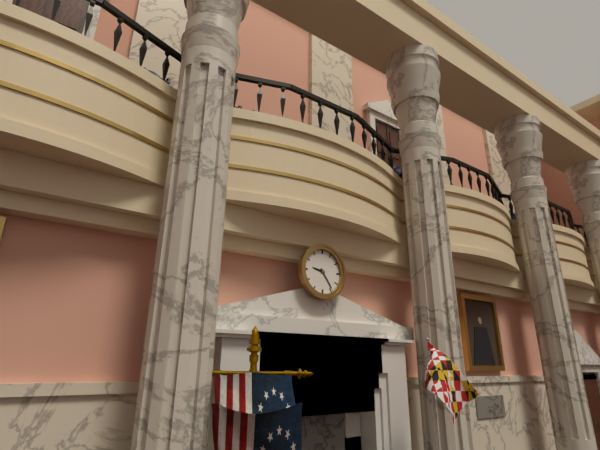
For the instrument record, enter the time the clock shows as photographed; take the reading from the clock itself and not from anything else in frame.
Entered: 9:24
